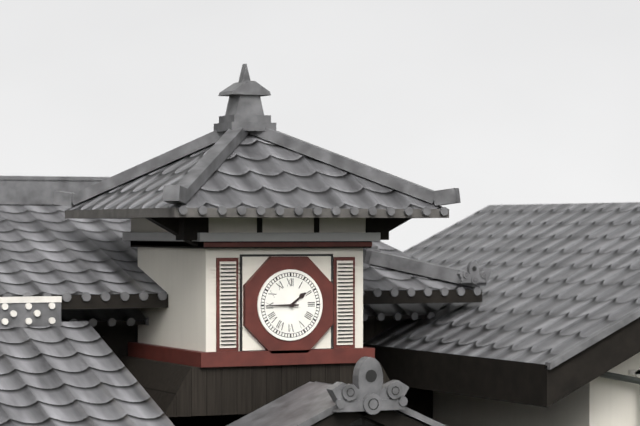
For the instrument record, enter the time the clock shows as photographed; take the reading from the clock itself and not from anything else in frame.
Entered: 1:45
